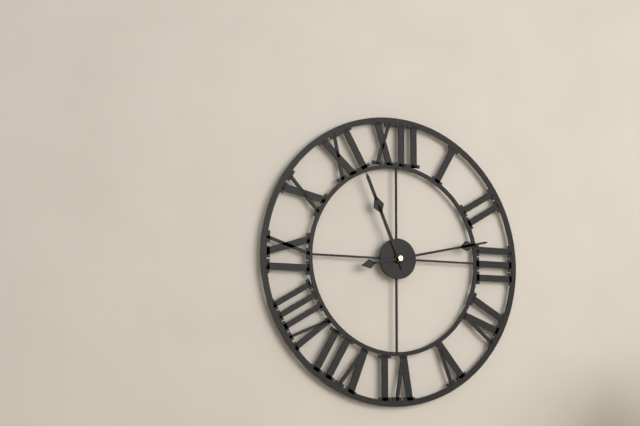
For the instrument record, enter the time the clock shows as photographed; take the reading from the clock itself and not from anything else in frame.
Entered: 11:13
